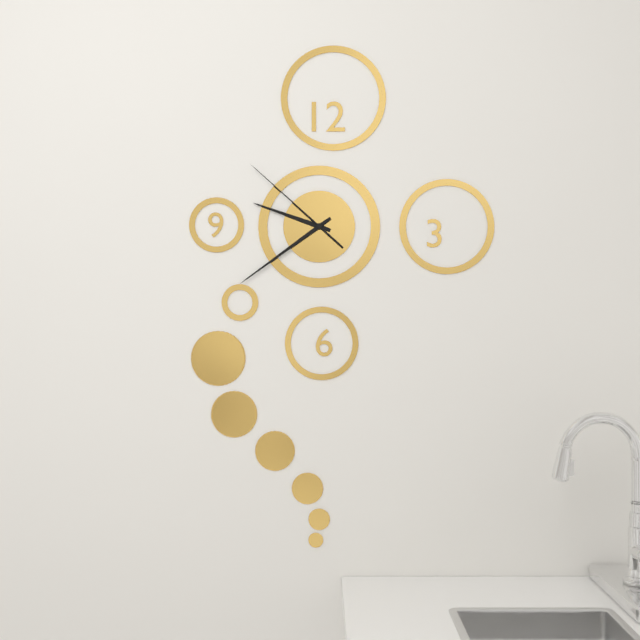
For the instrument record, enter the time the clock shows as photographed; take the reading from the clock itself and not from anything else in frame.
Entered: 9:39:52
